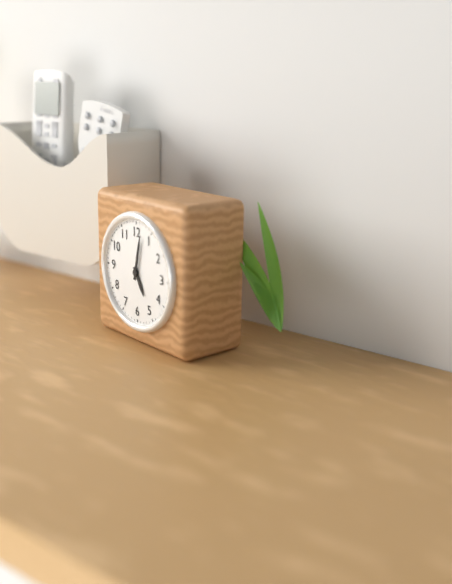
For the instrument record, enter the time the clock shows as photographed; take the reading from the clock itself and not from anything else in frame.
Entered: 5:02
